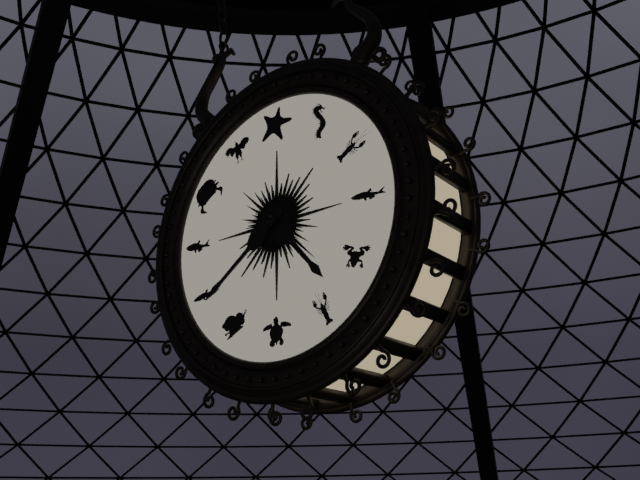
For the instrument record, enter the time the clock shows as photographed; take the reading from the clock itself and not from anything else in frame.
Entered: 4:39
